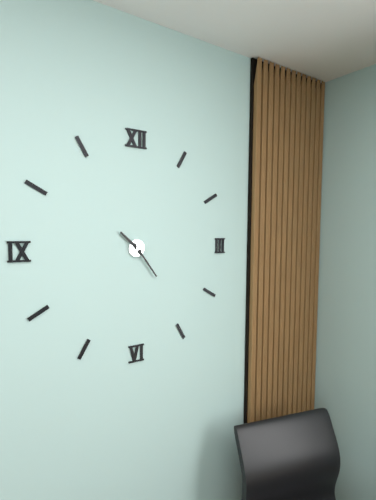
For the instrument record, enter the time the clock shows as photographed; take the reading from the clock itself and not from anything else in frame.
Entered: 10:24
